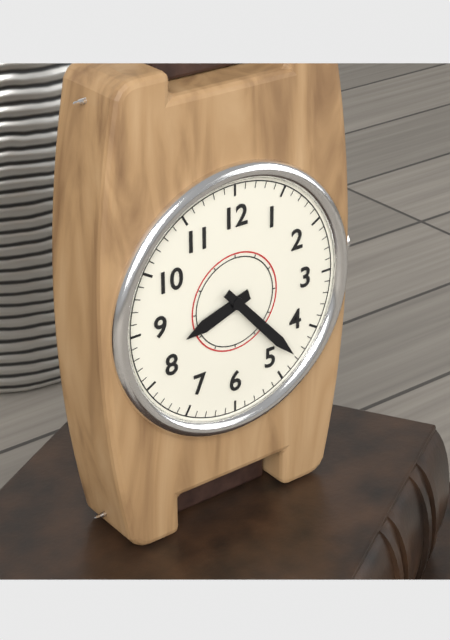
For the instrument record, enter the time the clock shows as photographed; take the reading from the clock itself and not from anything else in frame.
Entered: 8:23
